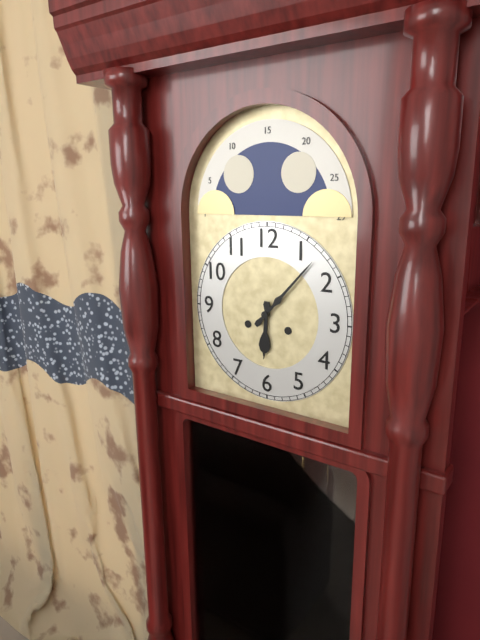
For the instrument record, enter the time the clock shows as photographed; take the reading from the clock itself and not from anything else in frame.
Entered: 6:07
